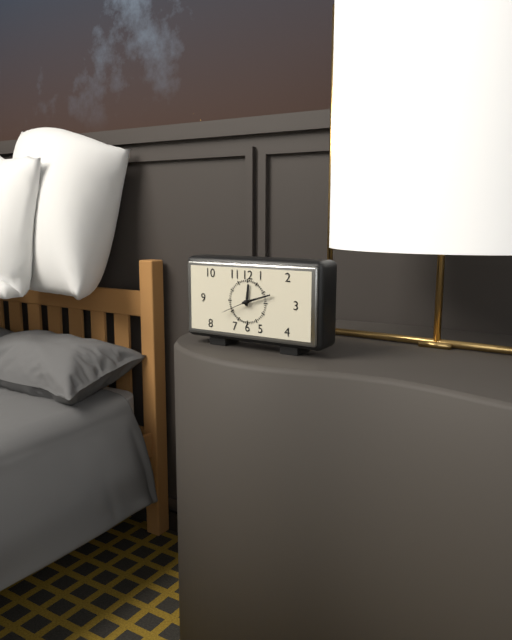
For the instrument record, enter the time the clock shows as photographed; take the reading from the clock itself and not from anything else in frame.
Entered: 12:12
